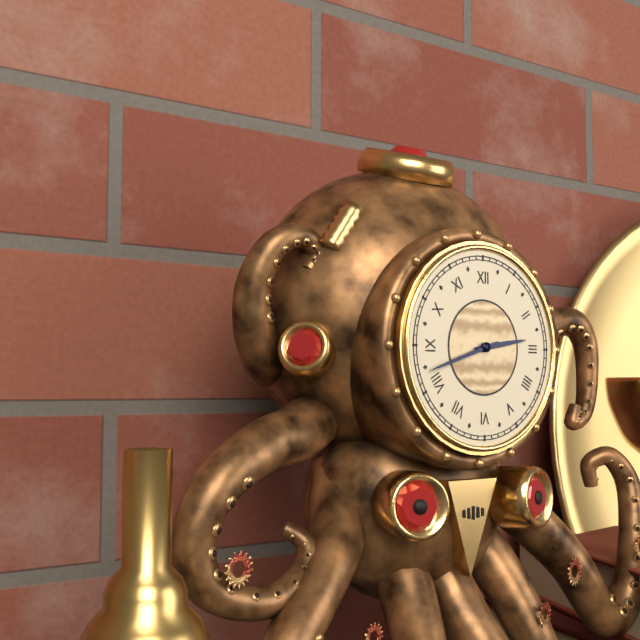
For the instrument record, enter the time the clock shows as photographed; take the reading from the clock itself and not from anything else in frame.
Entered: 2:42
